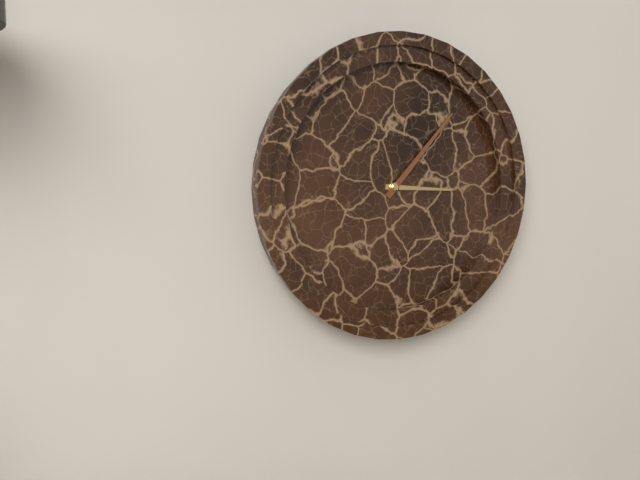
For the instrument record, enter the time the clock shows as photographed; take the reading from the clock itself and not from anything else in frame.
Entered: 3:07
